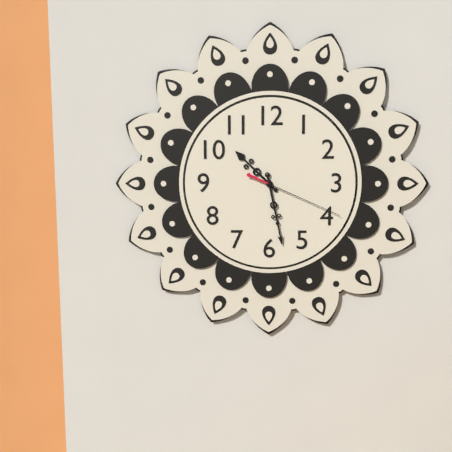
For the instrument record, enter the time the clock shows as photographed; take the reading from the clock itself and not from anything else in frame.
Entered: 10:28:19
